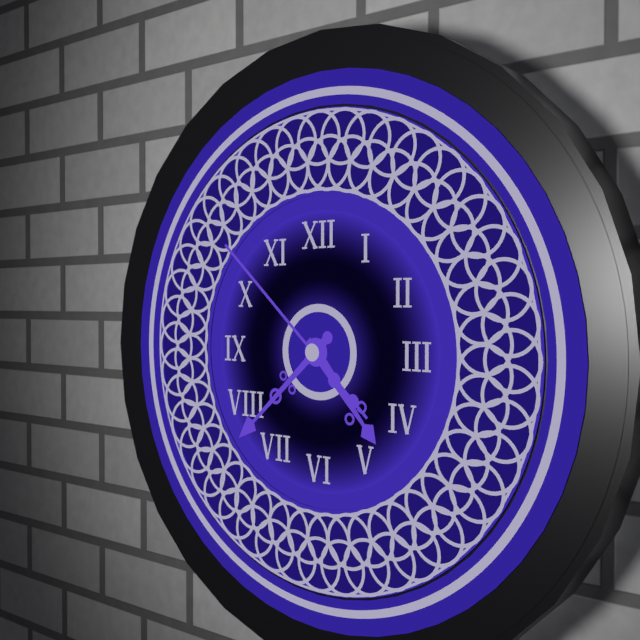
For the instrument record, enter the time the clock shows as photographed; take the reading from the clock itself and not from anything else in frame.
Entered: 4:38:52
